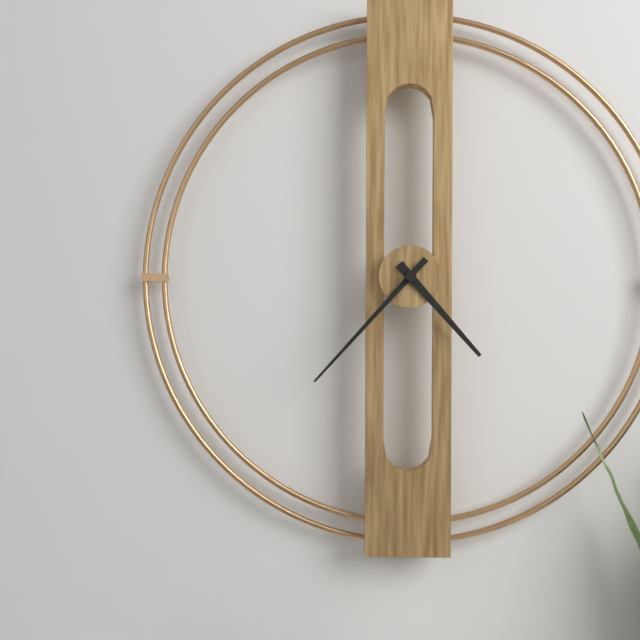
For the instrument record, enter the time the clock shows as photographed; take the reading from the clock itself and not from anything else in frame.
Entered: 4:37
